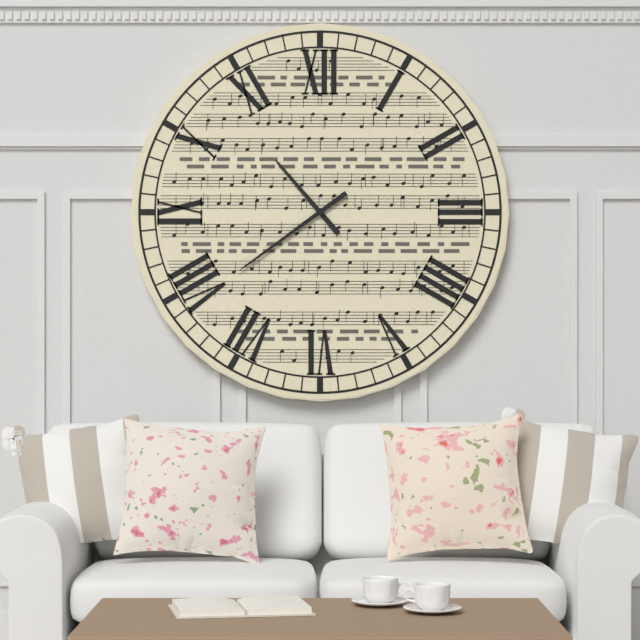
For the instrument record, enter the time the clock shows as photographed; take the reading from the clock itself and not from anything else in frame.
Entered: 10:39
